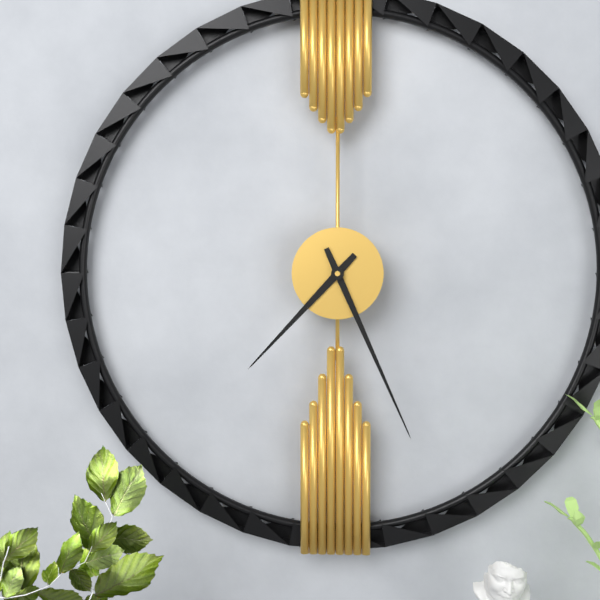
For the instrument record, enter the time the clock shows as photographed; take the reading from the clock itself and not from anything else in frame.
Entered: 7:26
